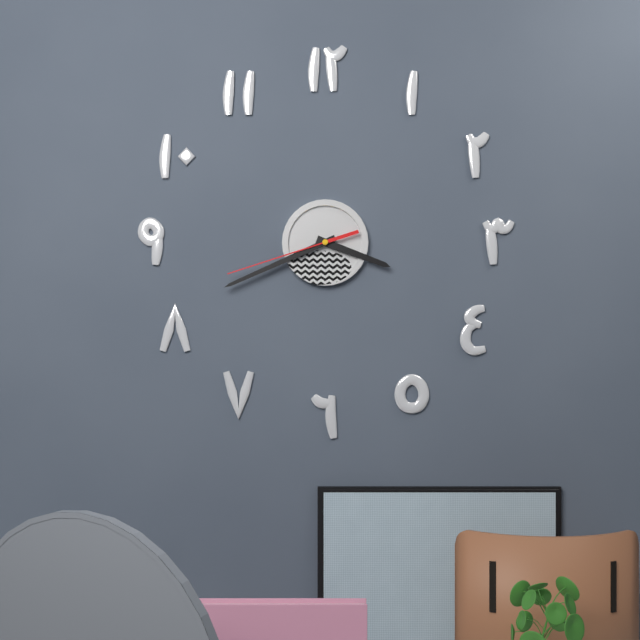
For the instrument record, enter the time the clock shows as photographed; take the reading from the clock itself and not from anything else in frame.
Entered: 3:41:42
